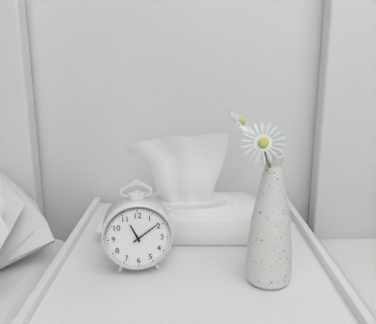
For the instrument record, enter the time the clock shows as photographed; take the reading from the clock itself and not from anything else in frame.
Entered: 11:09
